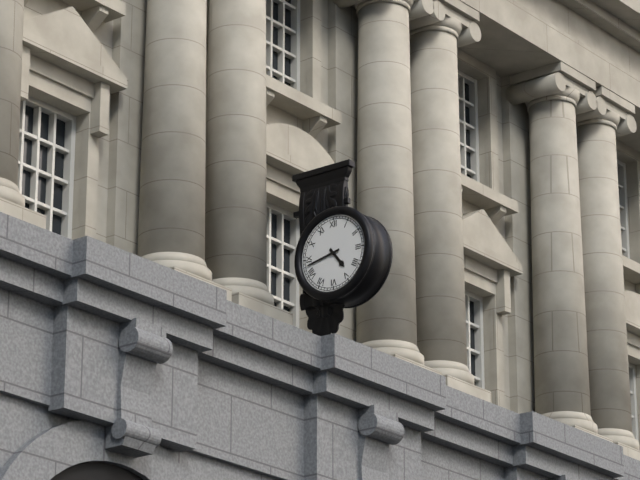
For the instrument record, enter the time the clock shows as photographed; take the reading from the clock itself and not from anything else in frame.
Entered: 4:43
